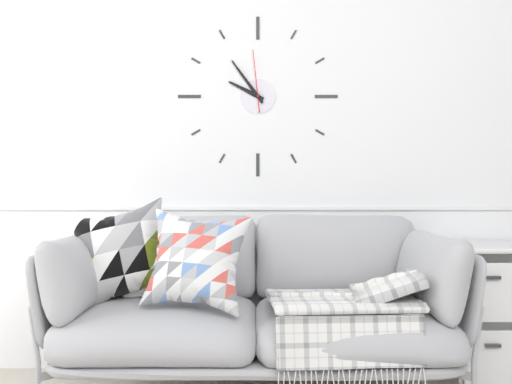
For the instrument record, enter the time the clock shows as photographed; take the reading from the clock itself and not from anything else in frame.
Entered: 9:54:59
